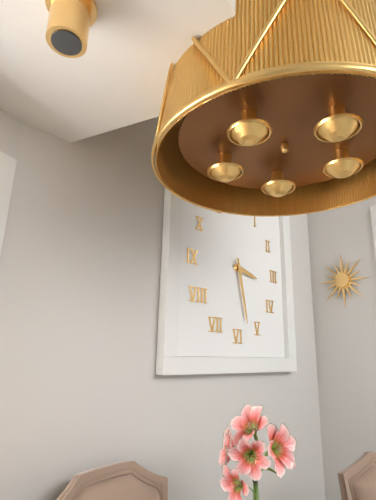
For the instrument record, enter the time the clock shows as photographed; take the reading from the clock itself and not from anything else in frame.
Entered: 3:28
